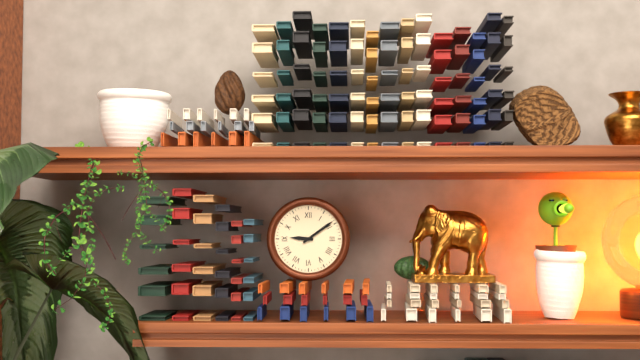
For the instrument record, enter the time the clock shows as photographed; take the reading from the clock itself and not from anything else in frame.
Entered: 9:09
